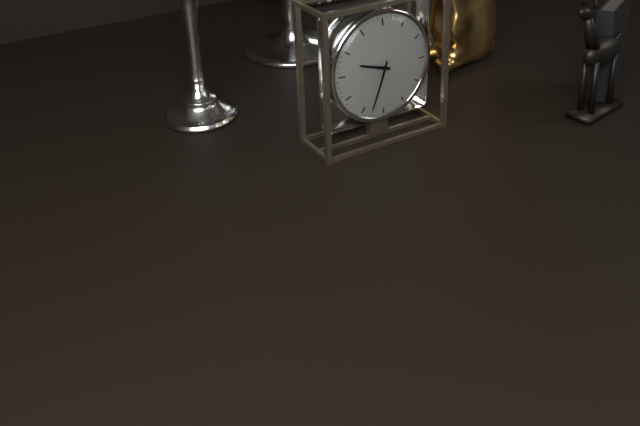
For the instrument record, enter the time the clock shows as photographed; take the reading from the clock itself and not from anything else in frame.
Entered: 9:33
